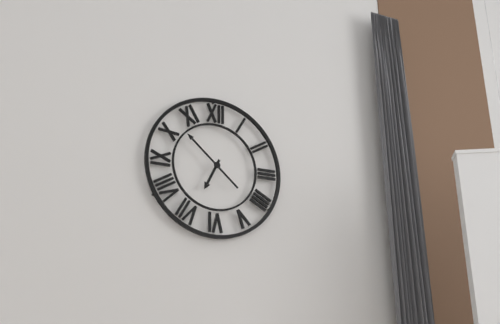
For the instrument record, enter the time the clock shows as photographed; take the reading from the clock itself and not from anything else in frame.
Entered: 6:52
